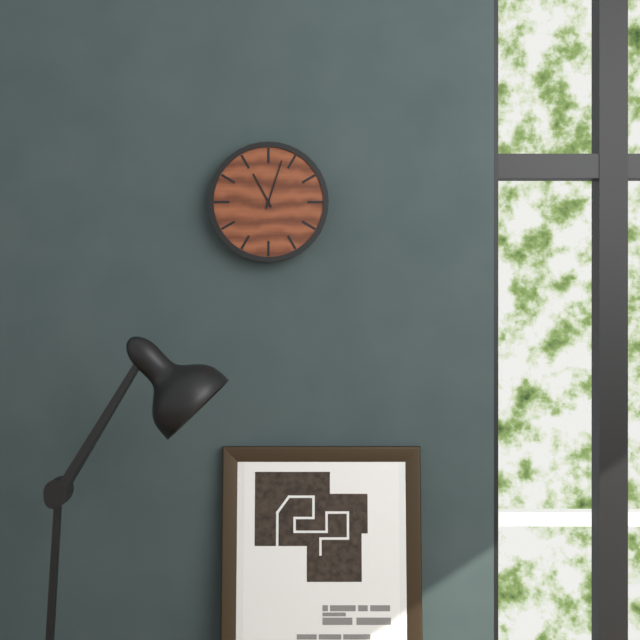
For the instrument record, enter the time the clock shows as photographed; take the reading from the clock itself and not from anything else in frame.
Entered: 11:03
